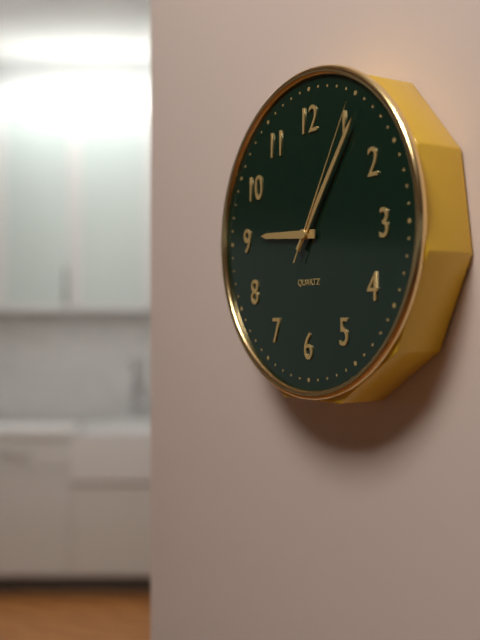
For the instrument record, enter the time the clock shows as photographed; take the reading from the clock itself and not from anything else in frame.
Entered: 9:06:05
